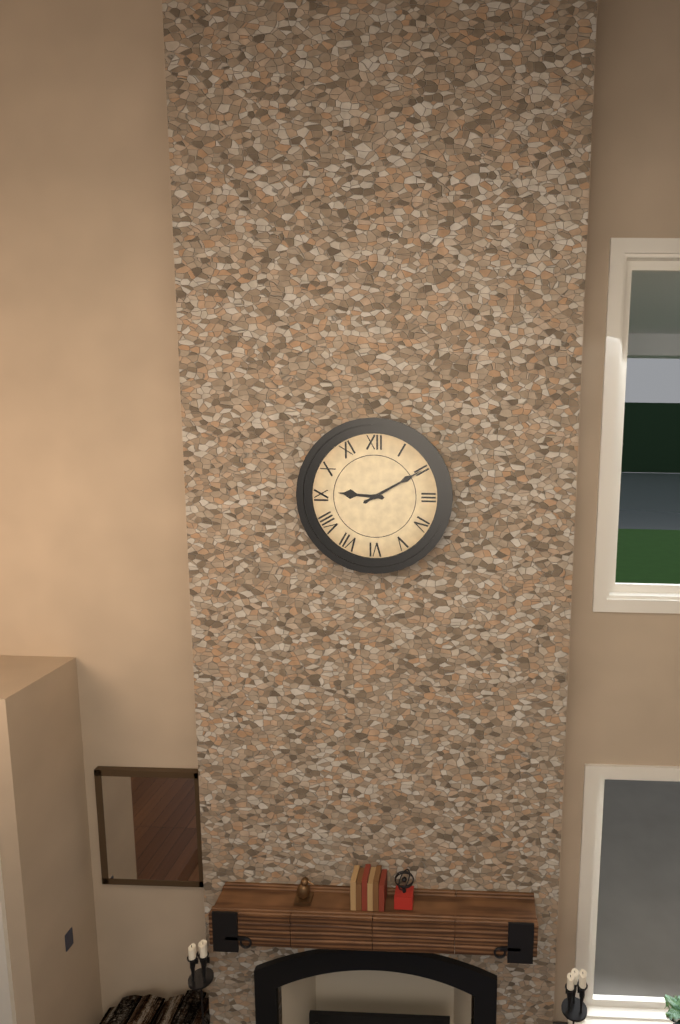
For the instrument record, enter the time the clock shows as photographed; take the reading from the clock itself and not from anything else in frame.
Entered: 9:10
